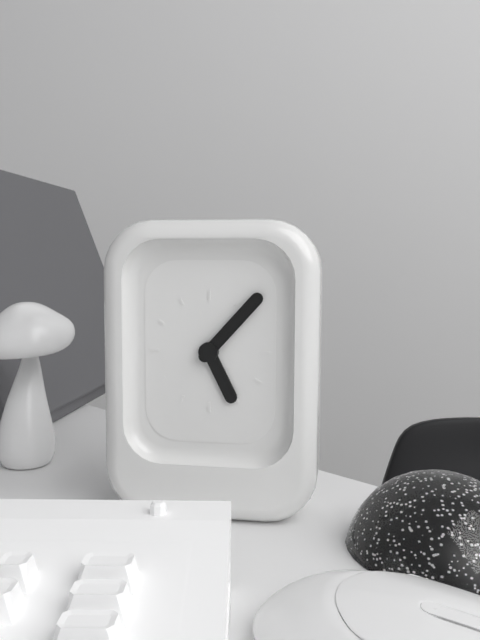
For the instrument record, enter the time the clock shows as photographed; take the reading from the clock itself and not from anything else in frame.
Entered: 5:07
